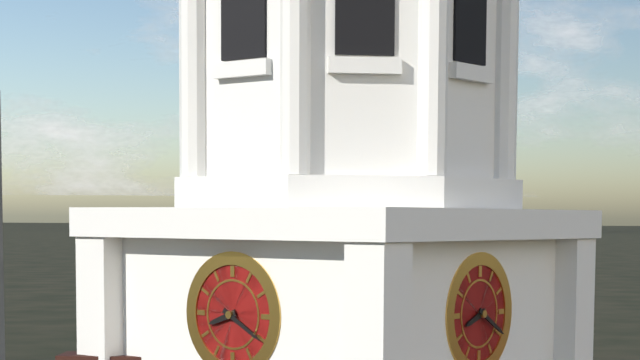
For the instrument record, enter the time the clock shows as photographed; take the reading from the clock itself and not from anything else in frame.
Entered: 8:20
